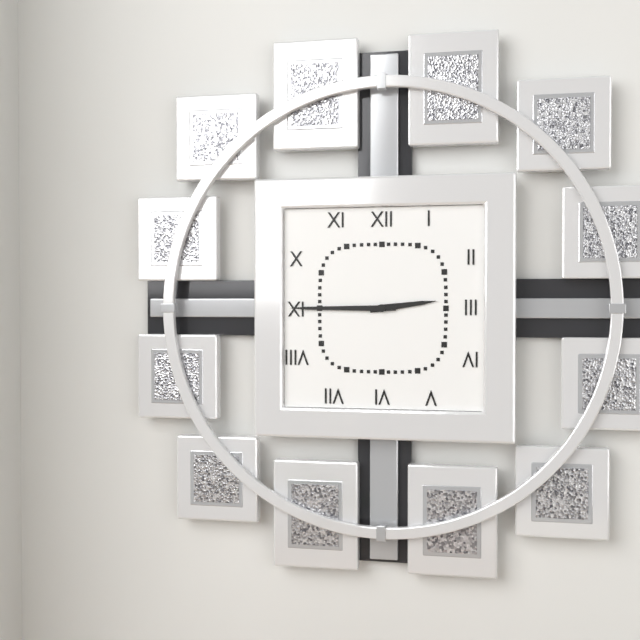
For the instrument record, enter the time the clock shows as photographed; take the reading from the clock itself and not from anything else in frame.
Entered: 2:45
